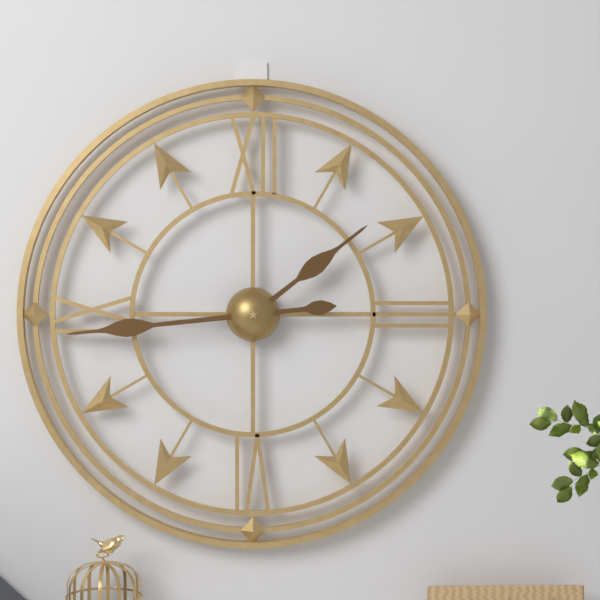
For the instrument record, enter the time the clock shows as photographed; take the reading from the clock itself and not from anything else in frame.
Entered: 1:44
